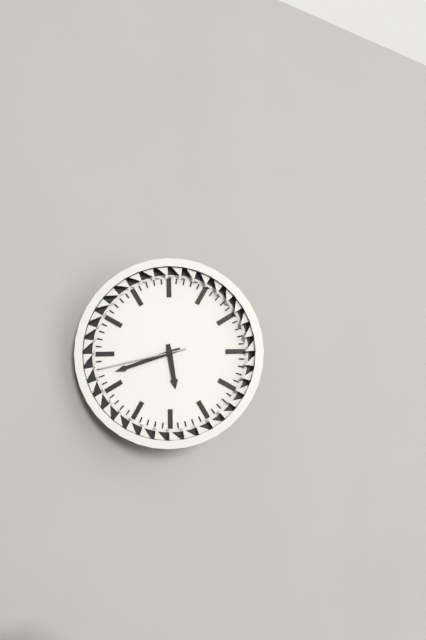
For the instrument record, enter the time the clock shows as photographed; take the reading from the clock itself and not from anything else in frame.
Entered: 5:42:43
